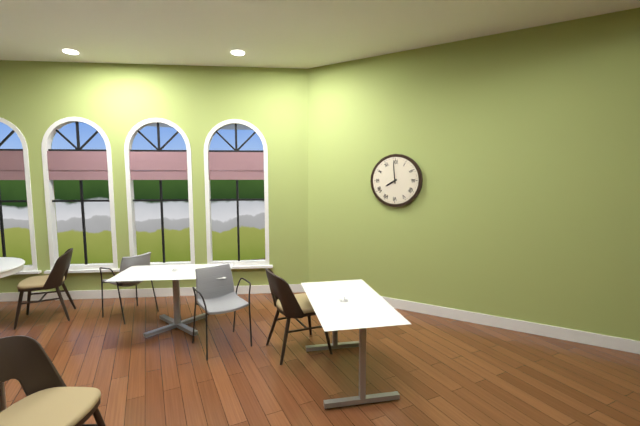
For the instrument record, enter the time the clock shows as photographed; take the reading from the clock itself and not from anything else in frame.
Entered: 7:59
